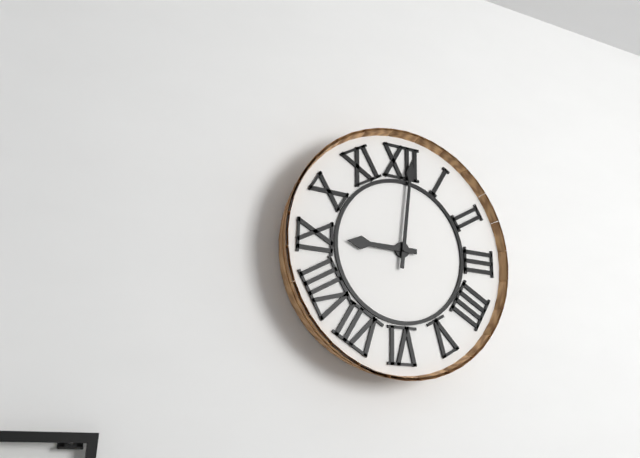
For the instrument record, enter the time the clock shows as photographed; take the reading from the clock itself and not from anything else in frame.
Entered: 9:01
